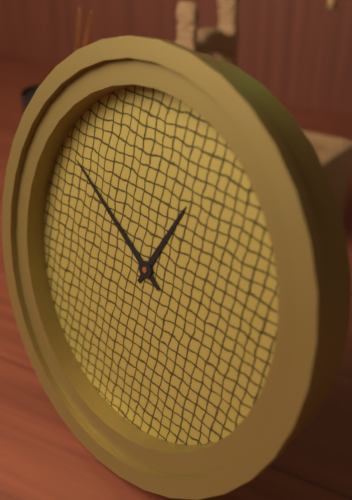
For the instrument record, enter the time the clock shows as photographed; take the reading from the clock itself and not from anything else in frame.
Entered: 12:50
